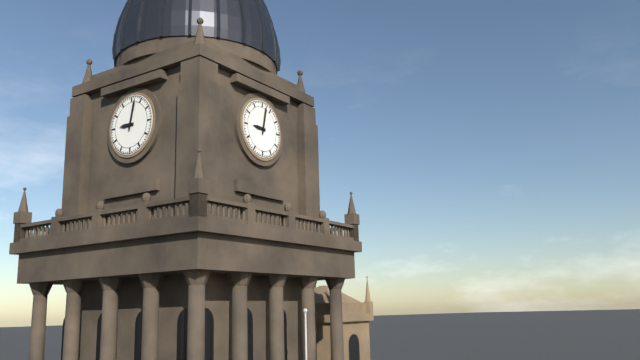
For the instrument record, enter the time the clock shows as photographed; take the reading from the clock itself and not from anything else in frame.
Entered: 9:02
